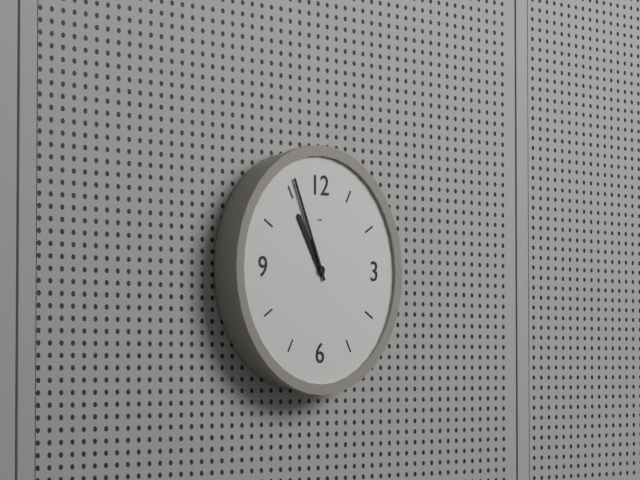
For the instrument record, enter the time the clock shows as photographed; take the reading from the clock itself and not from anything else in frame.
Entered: 10:56
